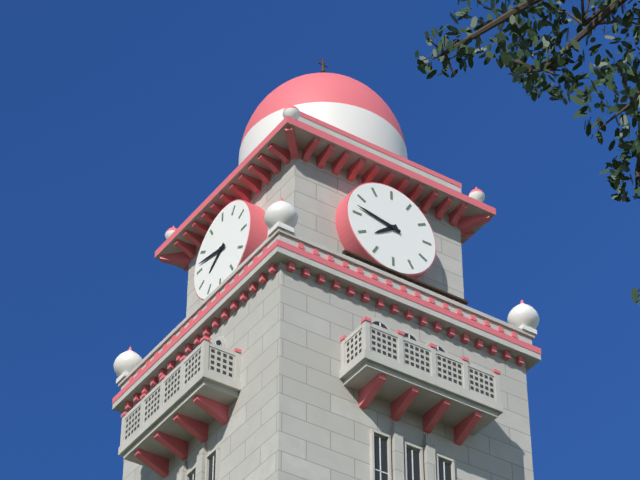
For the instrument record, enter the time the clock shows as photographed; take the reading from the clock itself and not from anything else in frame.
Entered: 7:47
